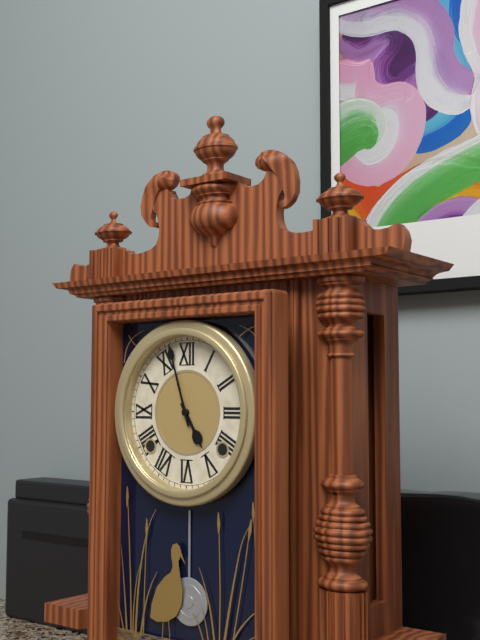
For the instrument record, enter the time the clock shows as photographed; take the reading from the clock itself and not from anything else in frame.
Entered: 4:57
